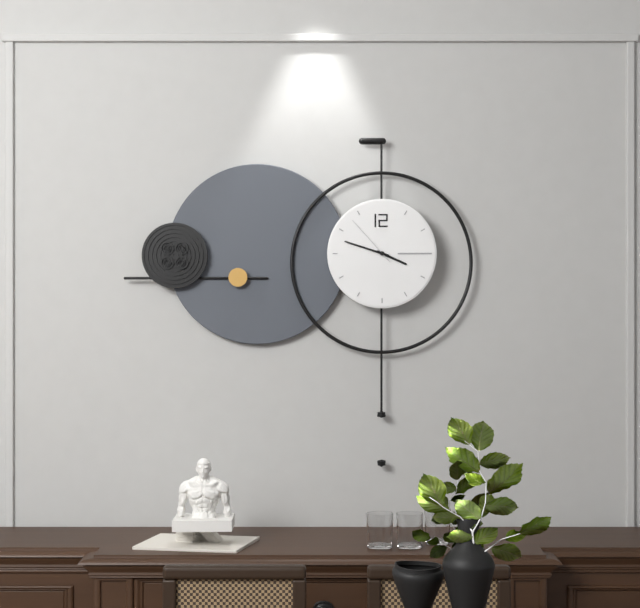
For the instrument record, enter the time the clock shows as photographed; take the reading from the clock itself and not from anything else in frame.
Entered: 3:48:53
